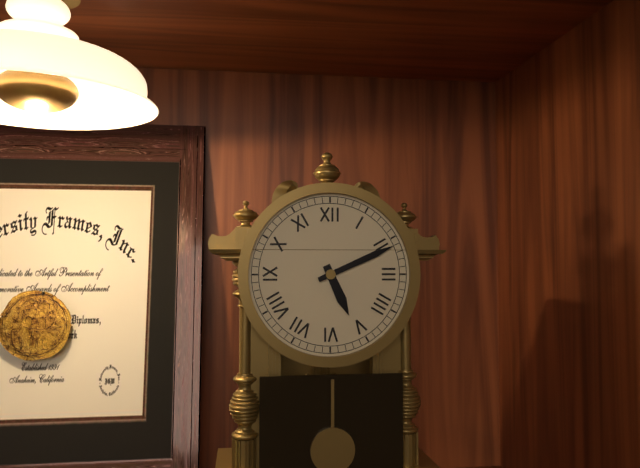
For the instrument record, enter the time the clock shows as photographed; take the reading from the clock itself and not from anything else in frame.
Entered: 5:11
